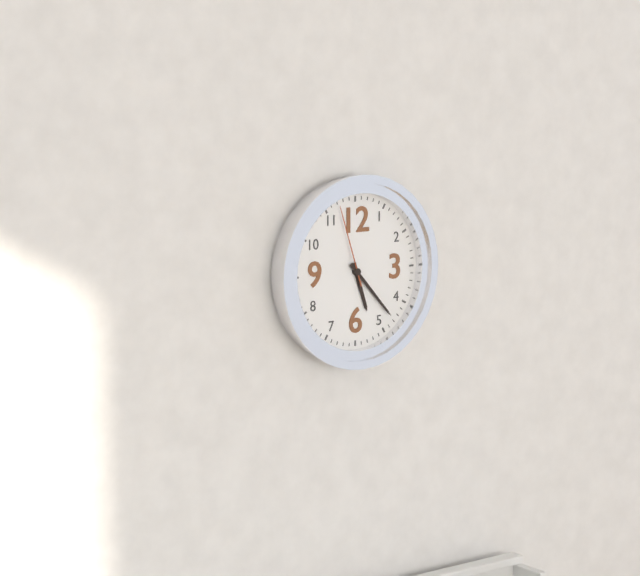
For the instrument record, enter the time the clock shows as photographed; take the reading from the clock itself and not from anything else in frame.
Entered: 5:23:57
